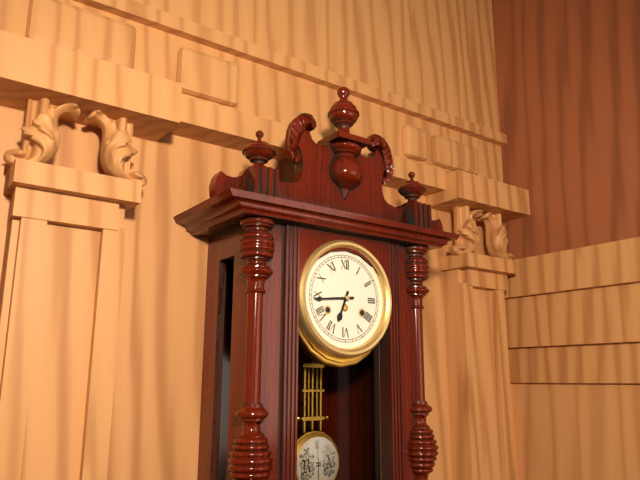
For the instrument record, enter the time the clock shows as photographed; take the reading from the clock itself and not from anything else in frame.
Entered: 6:44
